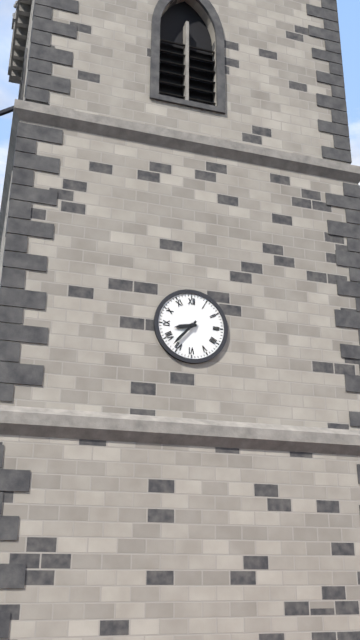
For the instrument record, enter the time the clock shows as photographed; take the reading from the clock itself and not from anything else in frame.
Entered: 8:37
